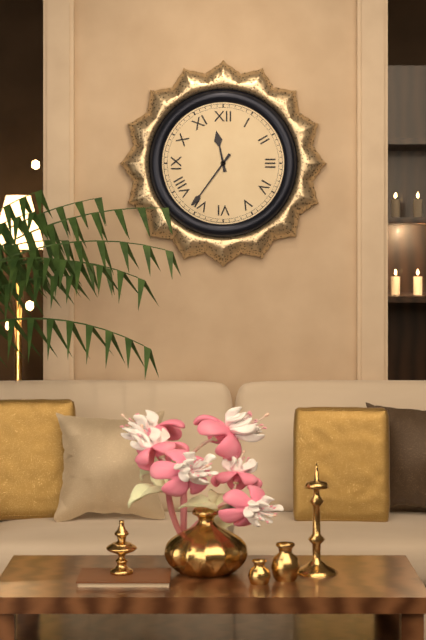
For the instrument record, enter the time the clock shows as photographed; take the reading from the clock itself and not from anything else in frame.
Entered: 11:36
